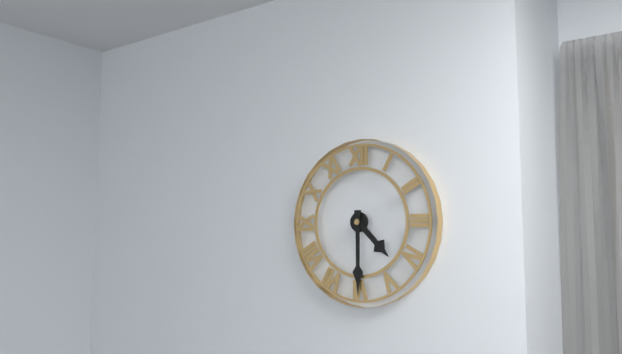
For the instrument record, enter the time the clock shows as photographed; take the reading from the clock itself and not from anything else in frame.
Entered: 4:30
